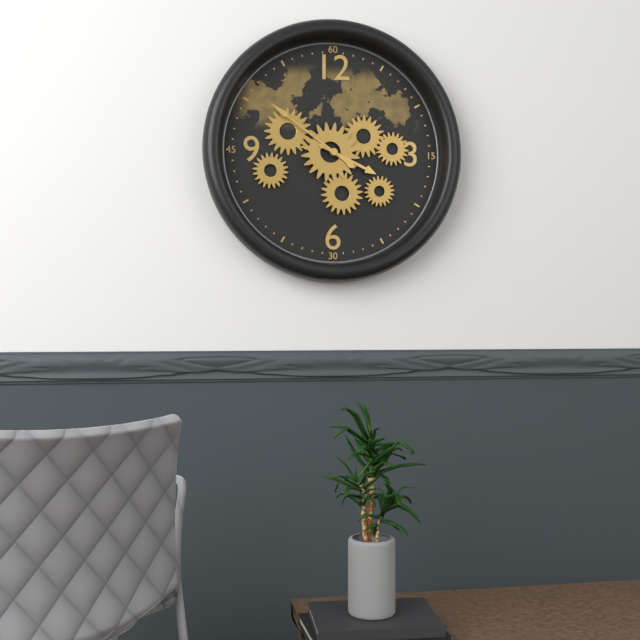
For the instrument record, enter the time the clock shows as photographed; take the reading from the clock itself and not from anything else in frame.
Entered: 3:51
